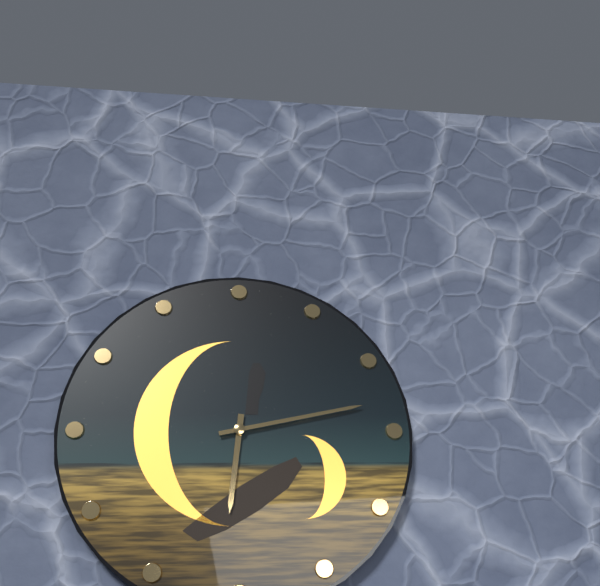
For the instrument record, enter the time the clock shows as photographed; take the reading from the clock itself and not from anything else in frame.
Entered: 6:13
